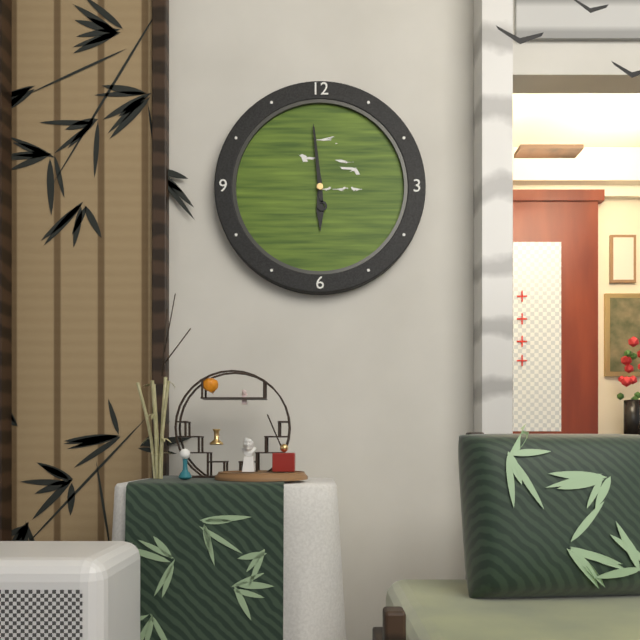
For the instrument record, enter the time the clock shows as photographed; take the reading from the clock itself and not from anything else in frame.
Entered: 5:59
